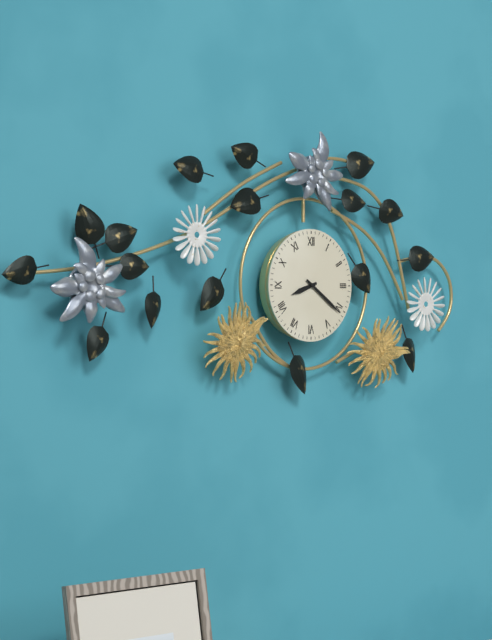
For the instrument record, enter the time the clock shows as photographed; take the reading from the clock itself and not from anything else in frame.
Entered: 8:21
